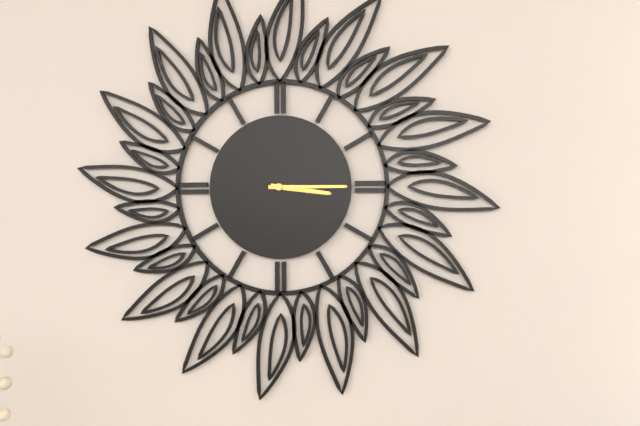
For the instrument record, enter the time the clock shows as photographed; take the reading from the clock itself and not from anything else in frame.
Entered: 3:15
